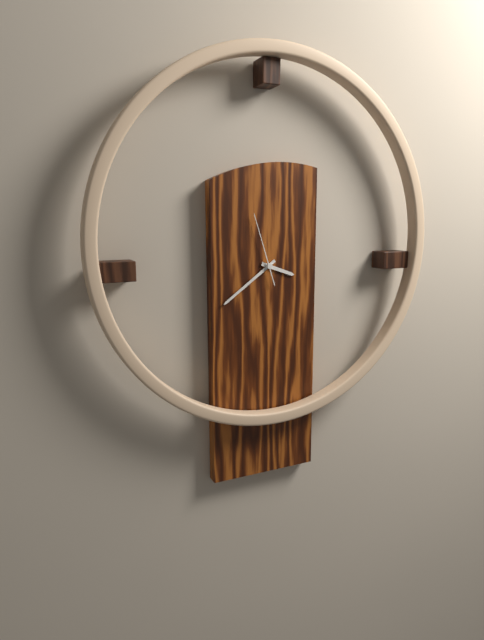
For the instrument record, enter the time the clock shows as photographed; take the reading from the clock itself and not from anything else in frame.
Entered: 3:39:57
